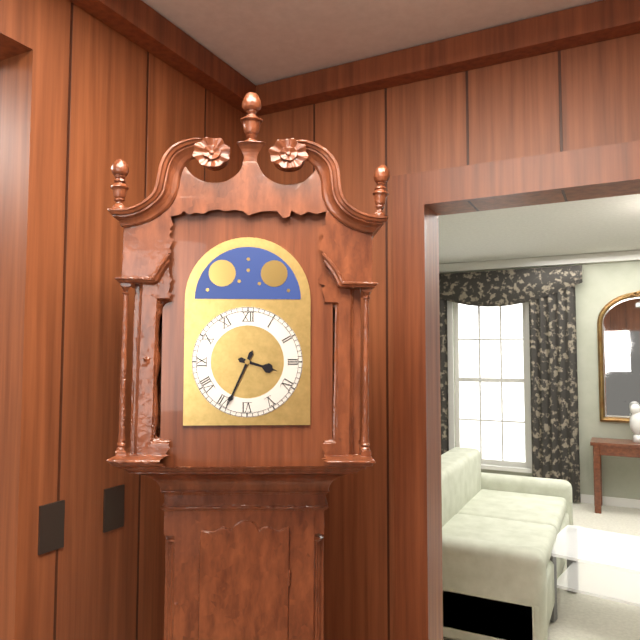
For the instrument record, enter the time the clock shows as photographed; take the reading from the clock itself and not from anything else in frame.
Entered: 3:34
